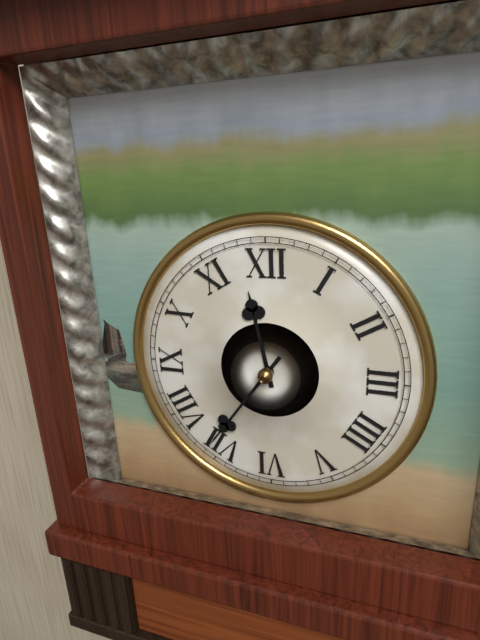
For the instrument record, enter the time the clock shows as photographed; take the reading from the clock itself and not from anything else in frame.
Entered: 11:36
